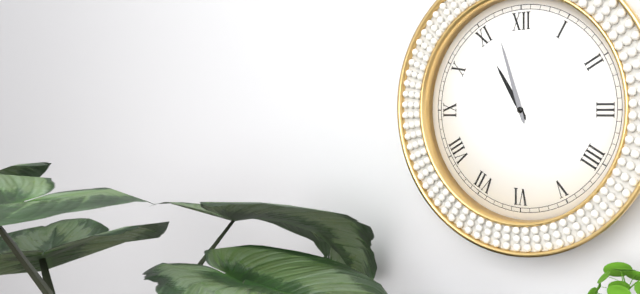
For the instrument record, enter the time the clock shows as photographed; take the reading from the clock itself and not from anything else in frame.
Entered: 10:57
